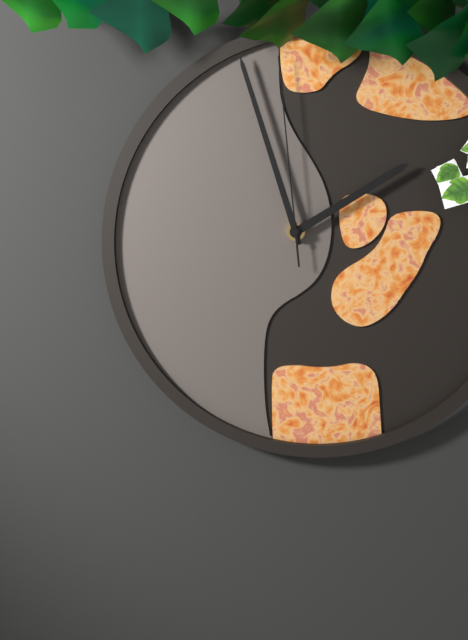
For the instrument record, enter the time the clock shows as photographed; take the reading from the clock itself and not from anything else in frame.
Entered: 1:57:59
